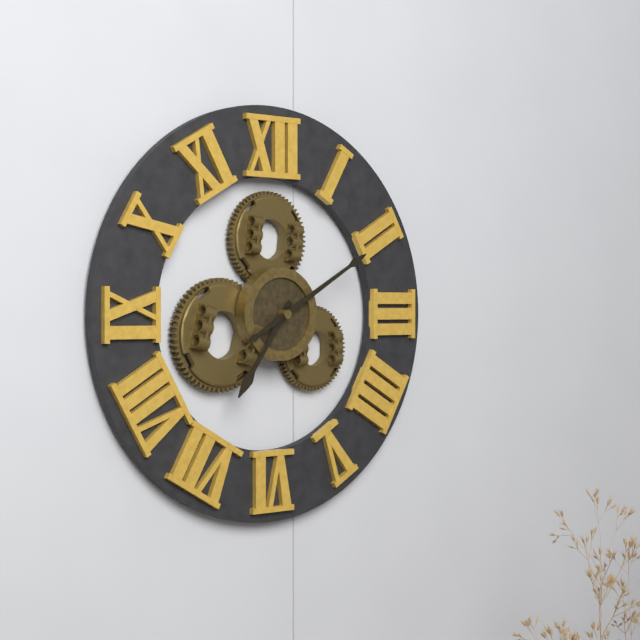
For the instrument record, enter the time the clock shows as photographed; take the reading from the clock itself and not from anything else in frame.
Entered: 7:10
